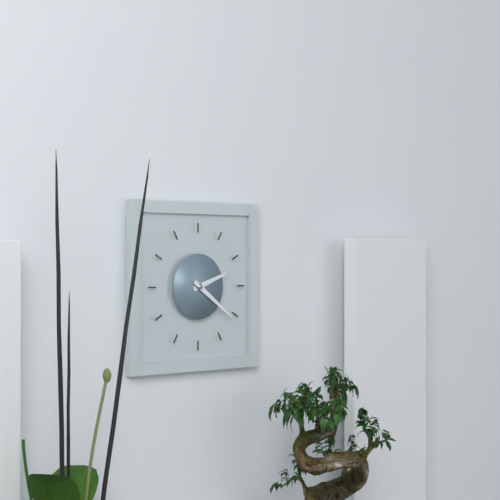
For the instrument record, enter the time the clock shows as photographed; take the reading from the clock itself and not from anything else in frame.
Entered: 2:21
